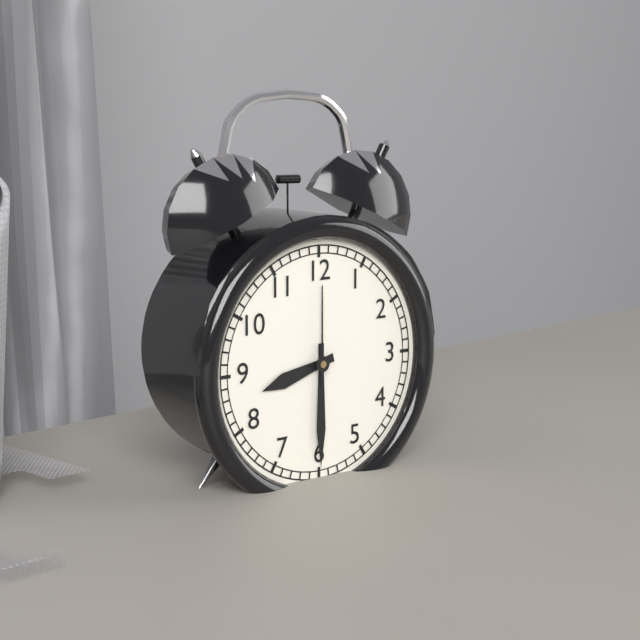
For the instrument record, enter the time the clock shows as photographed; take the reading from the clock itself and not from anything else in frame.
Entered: 8:30:00
